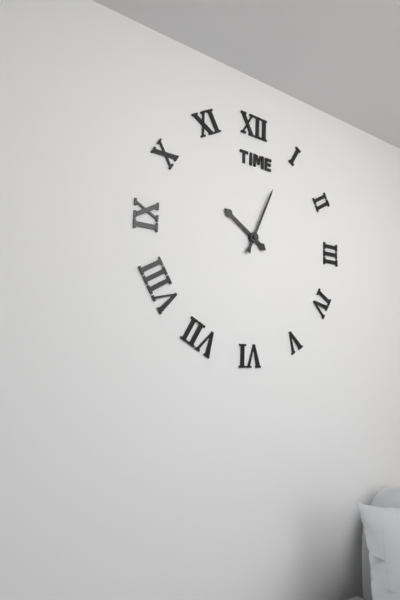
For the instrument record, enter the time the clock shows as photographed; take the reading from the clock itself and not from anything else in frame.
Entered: 10:04
